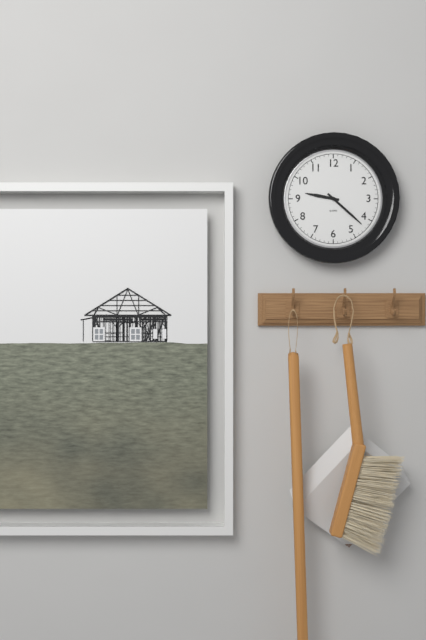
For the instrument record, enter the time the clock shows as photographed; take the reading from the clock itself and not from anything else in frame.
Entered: 9:22
